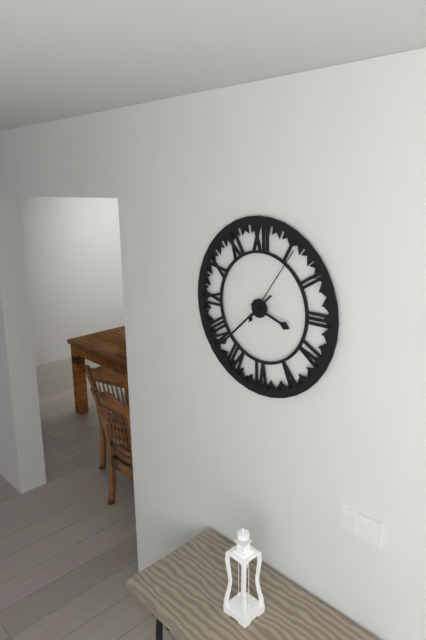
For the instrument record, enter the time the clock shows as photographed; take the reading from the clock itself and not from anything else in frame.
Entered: 3:38:06
